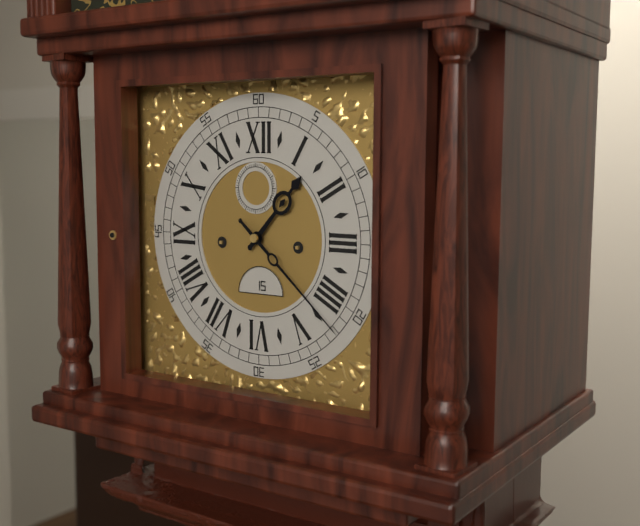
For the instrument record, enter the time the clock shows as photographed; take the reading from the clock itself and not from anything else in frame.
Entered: 1:22
